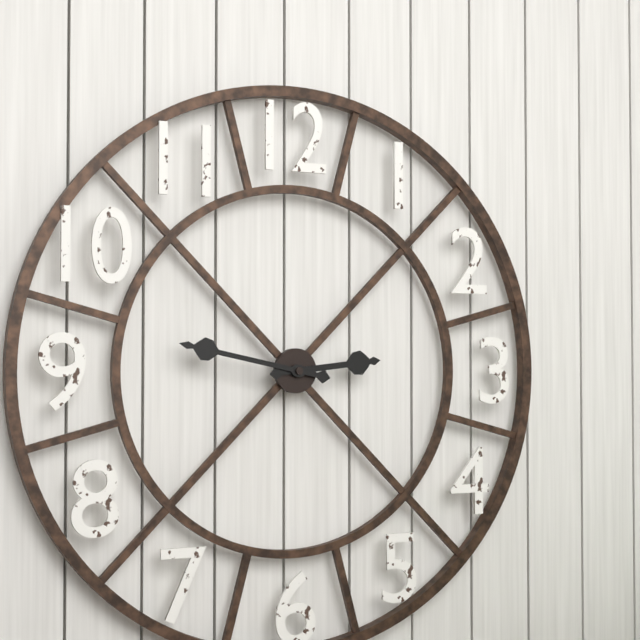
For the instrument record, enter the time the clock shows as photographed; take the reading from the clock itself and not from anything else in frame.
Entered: 2:47
